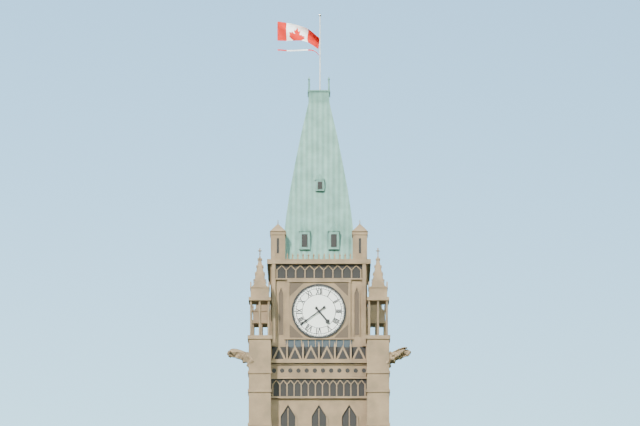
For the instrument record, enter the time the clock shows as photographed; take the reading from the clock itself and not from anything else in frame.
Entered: 4:39
